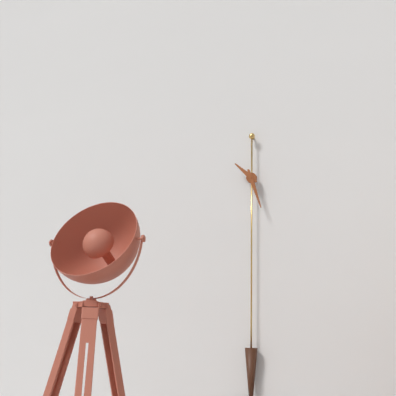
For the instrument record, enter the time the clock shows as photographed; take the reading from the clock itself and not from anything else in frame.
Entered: 10:27
